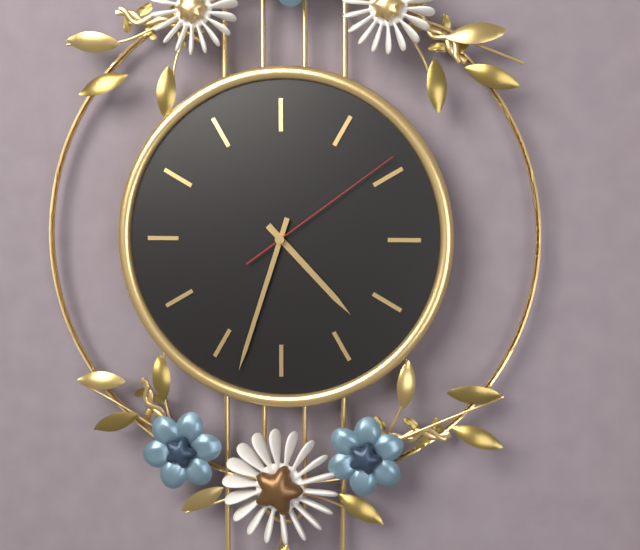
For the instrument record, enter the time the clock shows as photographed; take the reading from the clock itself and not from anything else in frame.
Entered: 4:33:09
